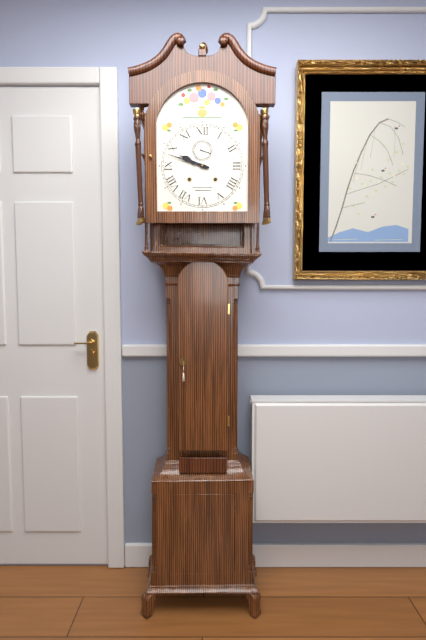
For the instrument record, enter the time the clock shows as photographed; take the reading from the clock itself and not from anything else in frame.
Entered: 9:48
